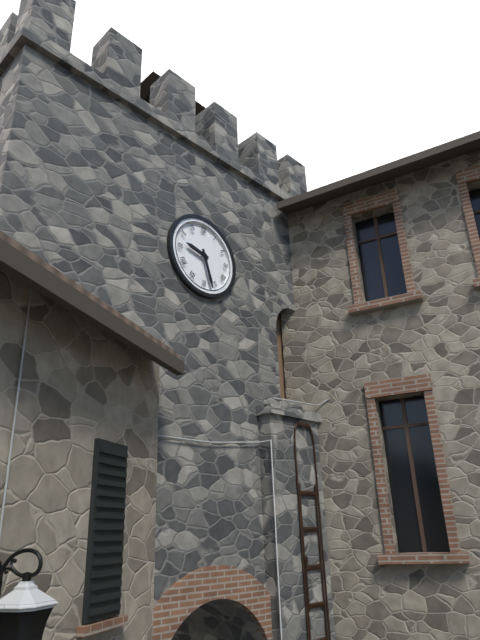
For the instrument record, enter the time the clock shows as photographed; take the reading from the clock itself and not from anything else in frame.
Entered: 9:27
